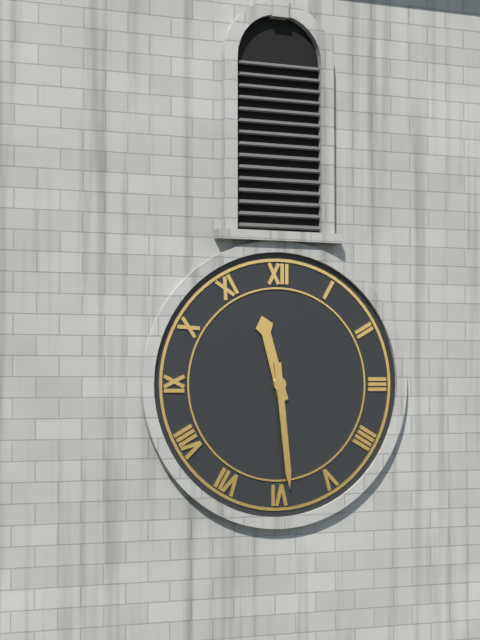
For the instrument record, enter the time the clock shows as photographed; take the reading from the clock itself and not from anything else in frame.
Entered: 11:29
